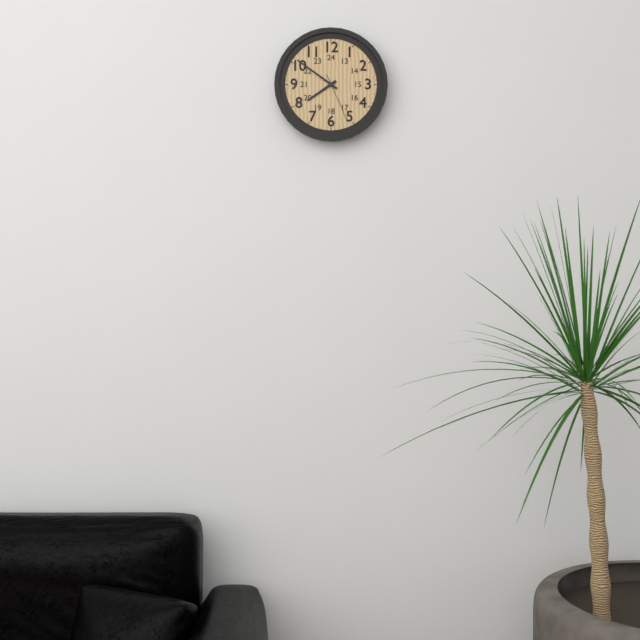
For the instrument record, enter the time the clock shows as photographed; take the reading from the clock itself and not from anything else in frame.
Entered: 7:51:26
